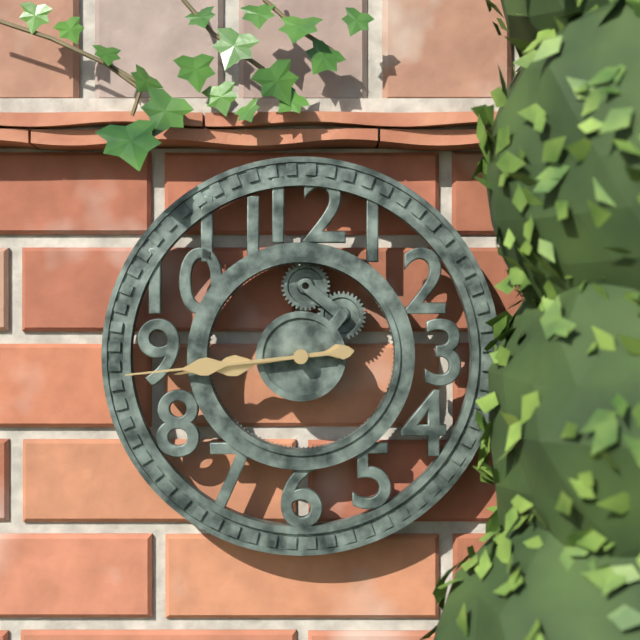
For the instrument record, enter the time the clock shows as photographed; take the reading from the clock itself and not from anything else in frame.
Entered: 8:44
